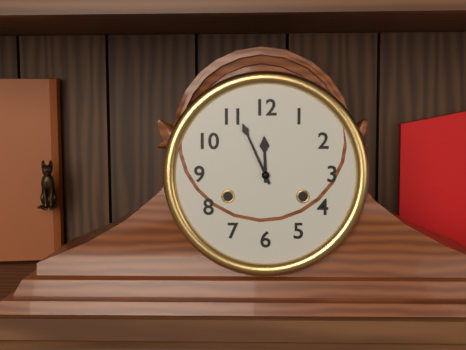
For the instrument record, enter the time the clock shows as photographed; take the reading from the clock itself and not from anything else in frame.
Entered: 11:56
